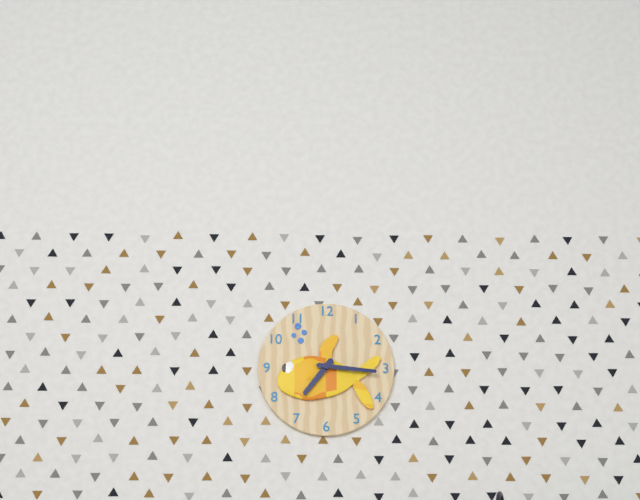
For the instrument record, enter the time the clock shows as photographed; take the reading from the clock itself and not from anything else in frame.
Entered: 7:16
